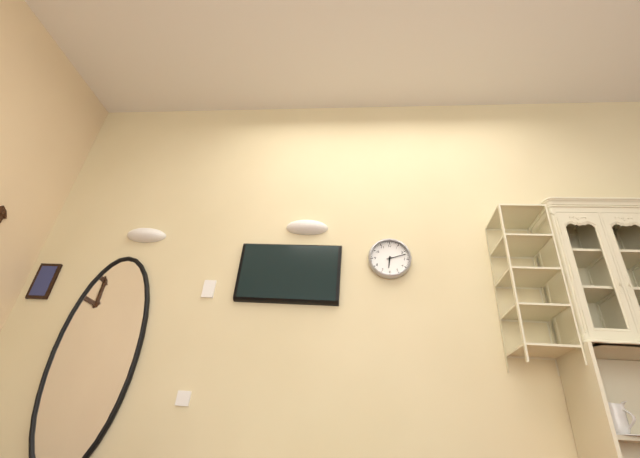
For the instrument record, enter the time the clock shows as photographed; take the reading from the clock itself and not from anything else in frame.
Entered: 6:12
